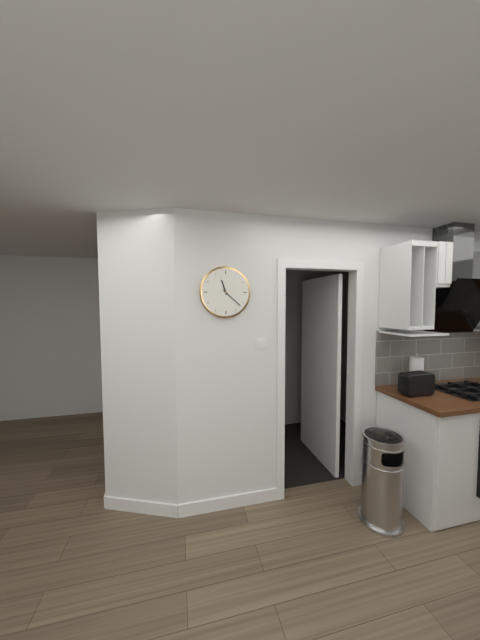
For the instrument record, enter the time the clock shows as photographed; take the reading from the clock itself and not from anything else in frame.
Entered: 11:22
